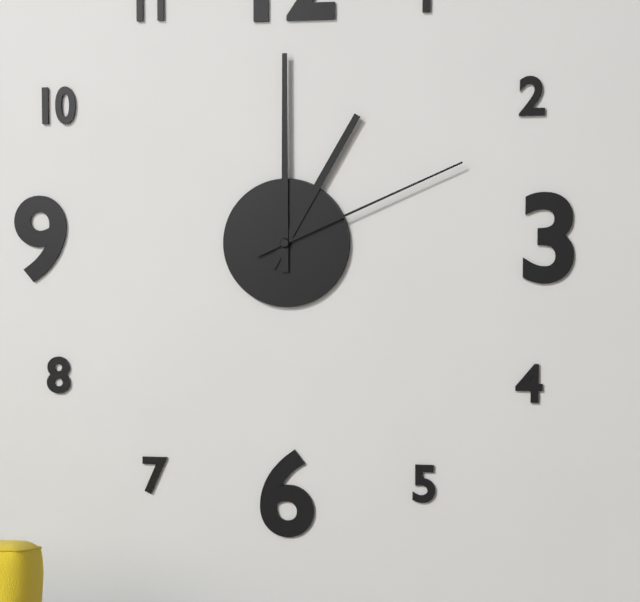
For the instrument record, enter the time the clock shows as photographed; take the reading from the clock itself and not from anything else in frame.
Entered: 1:00:11
